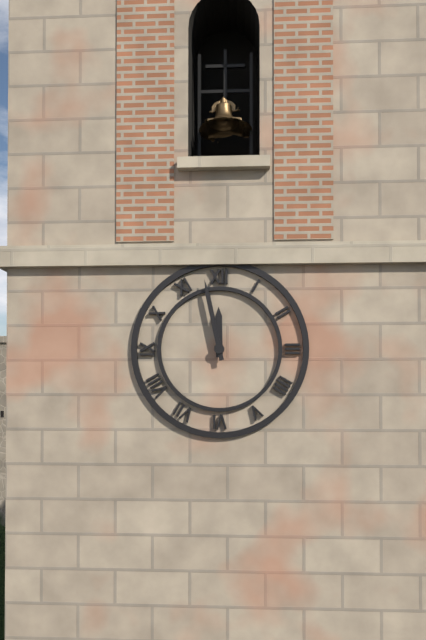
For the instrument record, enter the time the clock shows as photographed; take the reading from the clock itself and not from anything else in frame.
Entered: 11:58
